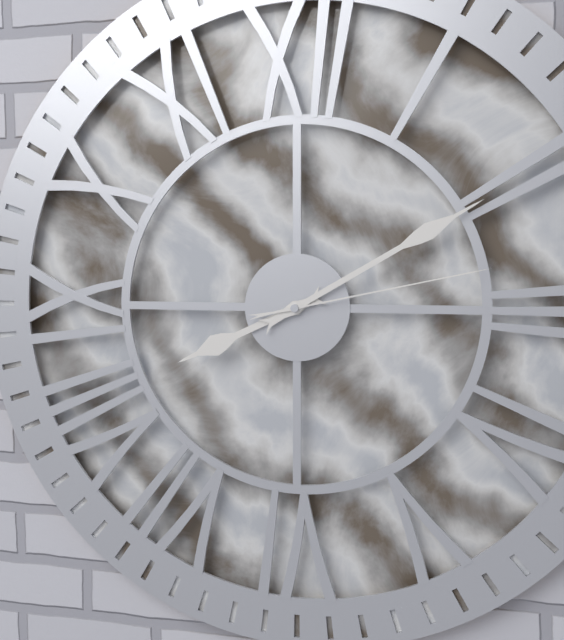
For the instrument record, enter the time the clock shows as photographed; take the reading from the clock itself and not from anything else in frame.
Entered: 8:10:13
